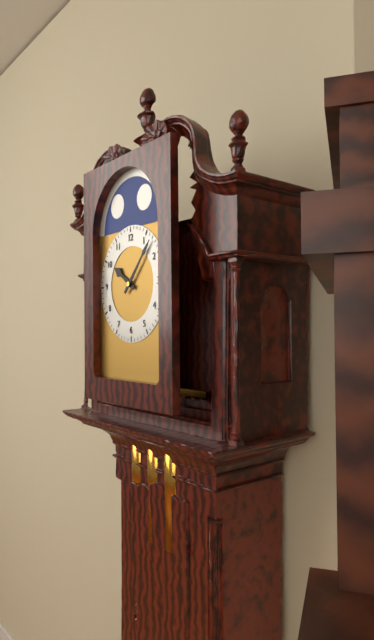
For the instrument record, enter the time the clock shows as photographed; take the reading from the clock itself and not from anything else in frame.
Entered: 10:07
